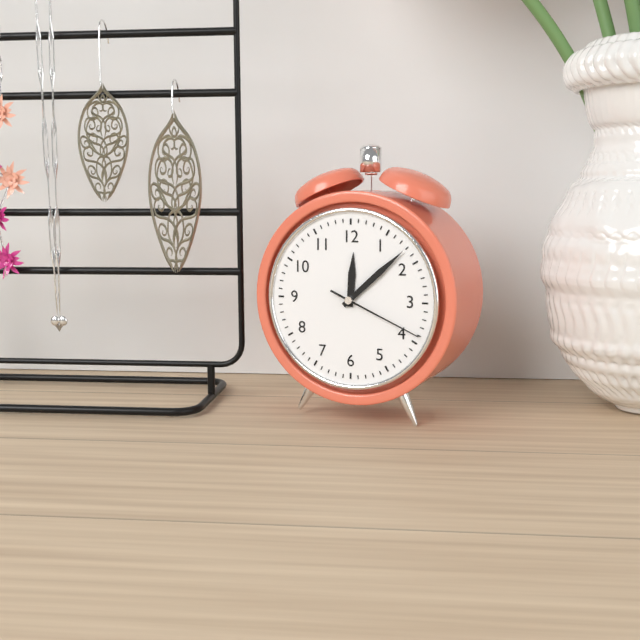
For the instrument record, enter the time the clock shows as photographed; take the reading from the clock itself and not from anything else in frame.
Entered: 12:08:19
